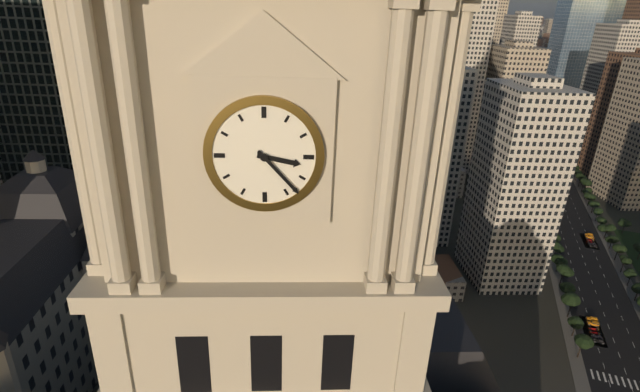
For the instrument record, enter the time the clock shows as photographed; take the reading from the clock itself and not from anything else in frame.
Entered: 3:23
